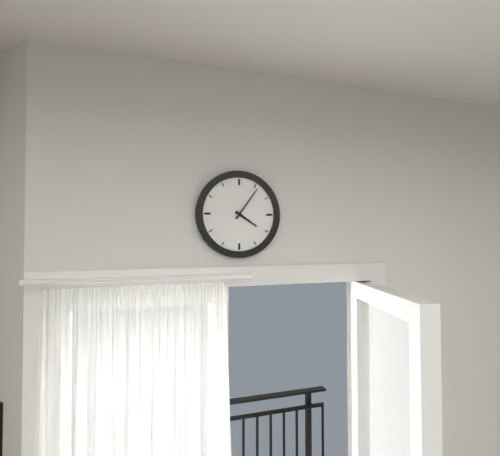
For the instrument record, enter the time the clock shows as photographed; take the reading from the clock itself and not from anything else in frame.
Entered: 4:06
